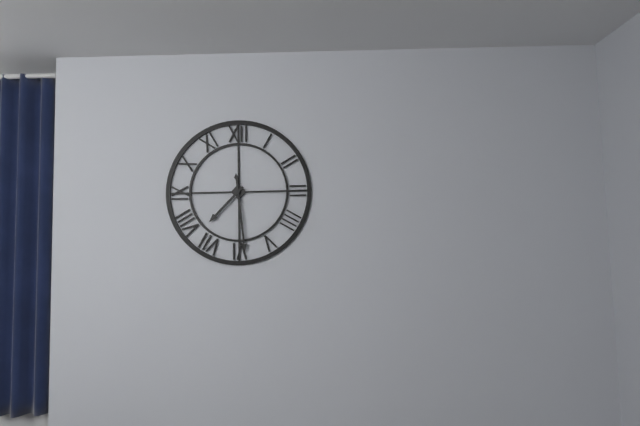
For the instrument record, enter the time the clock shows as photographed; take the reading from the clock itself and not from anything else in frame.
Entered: 7:29
